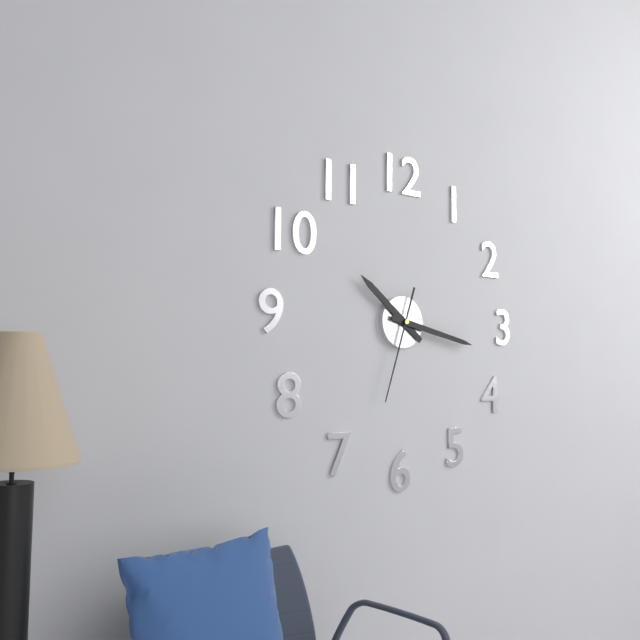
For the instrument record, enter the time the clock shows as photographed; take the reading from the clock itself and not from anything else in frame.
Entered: 10:17:33
